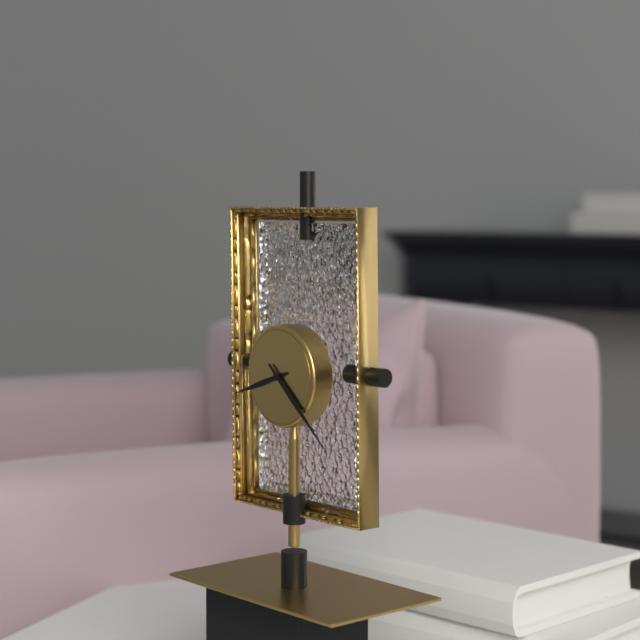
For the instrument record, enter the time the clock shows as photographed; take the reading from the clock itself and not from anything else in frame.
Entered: 8:22
